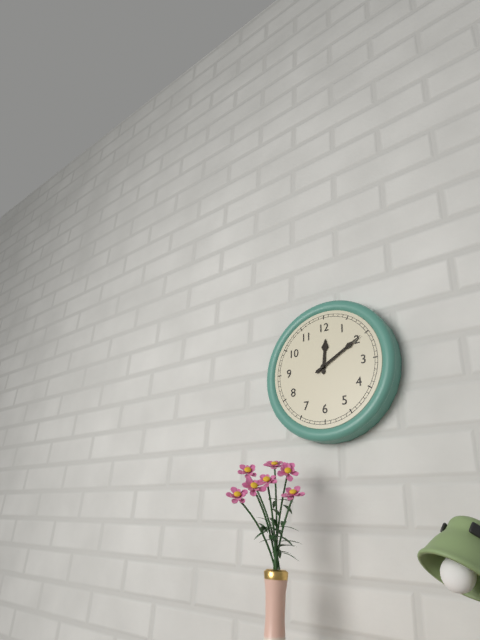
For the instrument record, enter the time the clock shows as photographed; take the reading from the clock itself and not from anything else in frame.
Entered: 12:10
